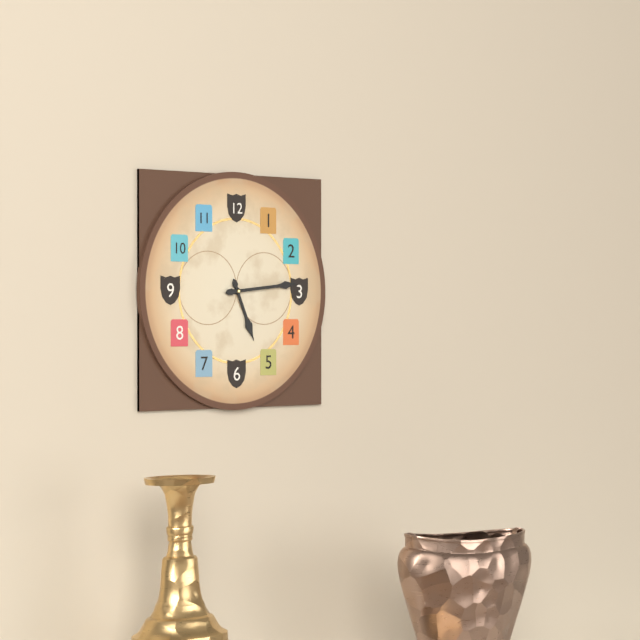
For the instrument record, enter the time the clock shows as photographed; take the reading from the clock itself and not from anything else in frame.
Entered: 5:14
